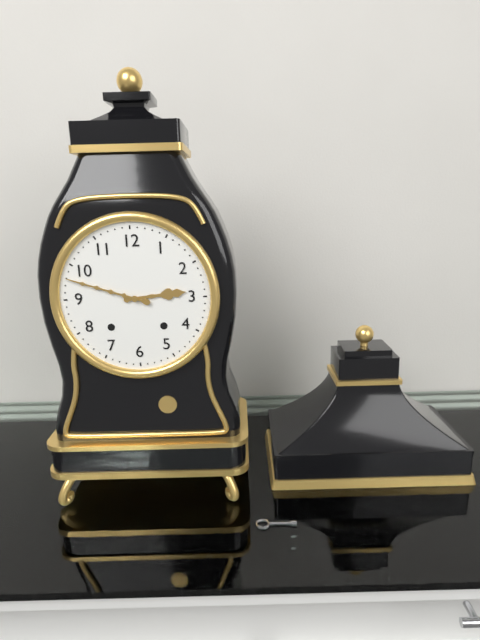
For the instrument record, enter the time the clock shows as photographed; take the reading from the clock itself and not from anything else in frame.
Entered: 2:48
